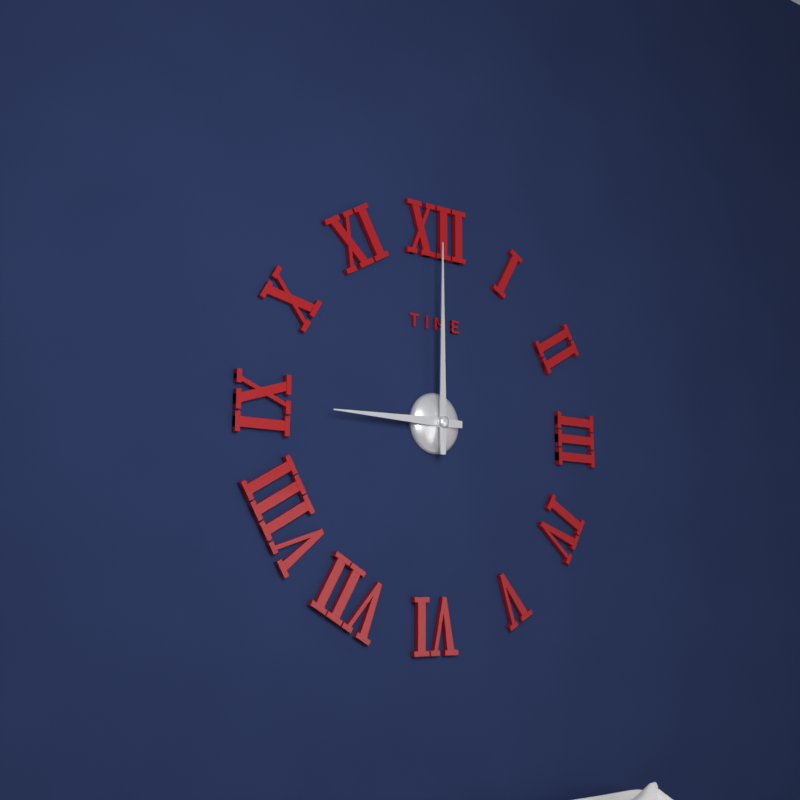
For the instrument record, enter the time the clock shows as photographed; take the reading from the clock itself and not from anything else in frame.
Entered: 9:00
